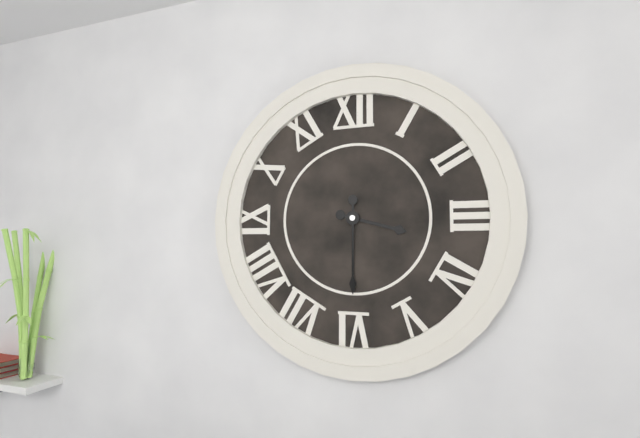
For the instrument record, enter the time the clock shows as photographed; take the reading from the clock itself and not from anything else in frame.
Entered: 3:30
